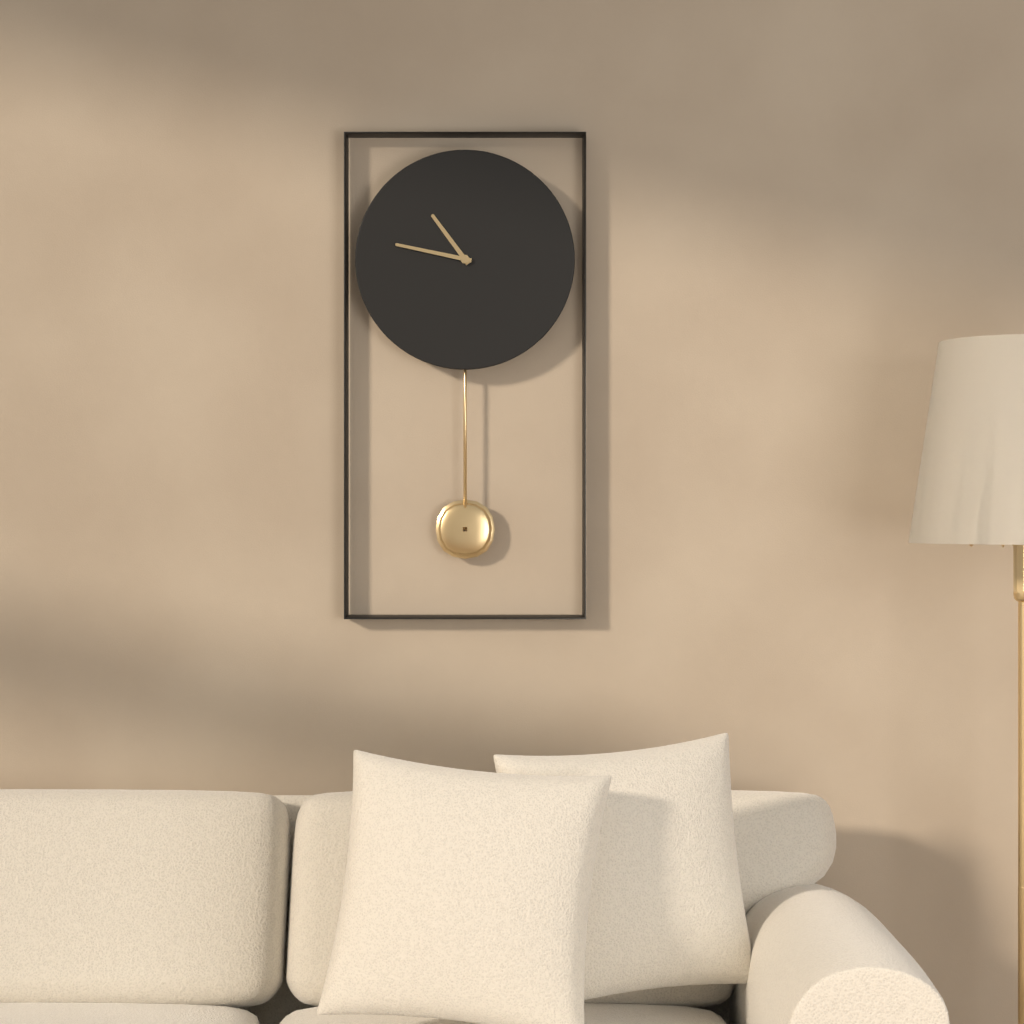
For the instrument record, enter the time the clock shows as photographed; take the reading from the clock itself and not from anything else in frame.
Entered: 10:47
